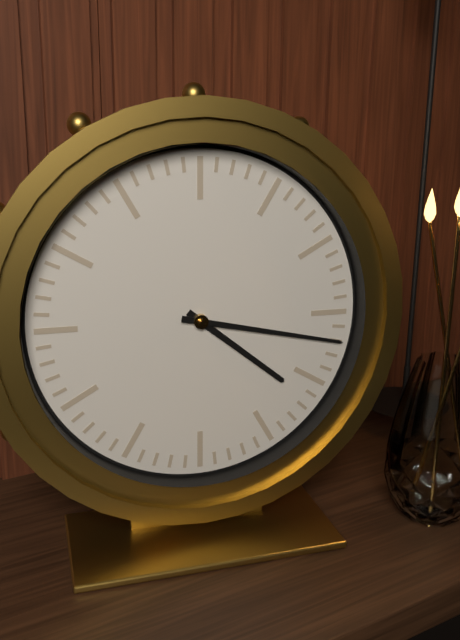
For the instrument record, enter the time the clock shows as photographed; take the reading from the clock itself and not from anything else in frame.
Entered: 4:17
